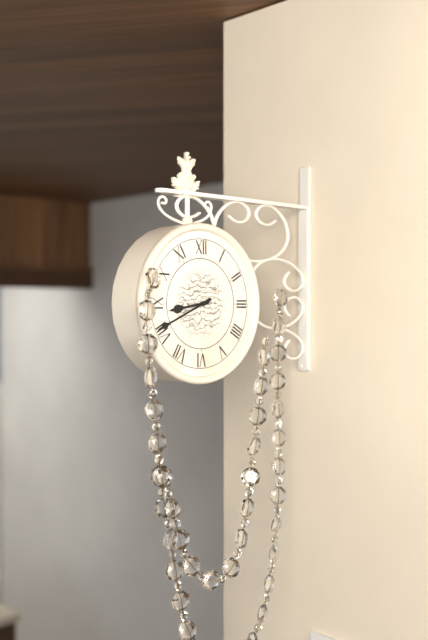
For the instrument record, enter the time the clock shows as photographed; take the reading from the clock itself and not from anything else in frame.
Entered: 8:41
